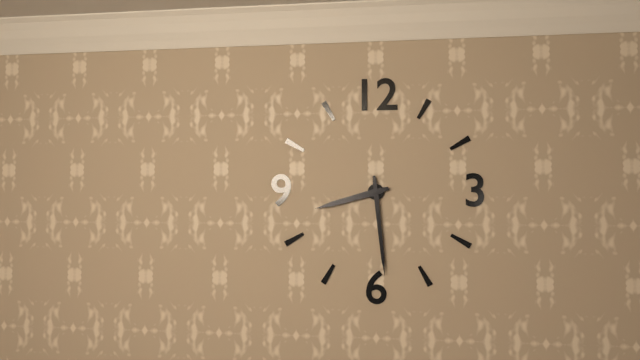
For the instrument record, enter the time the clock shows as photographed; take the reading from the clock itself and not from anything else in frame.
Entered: 8:29
